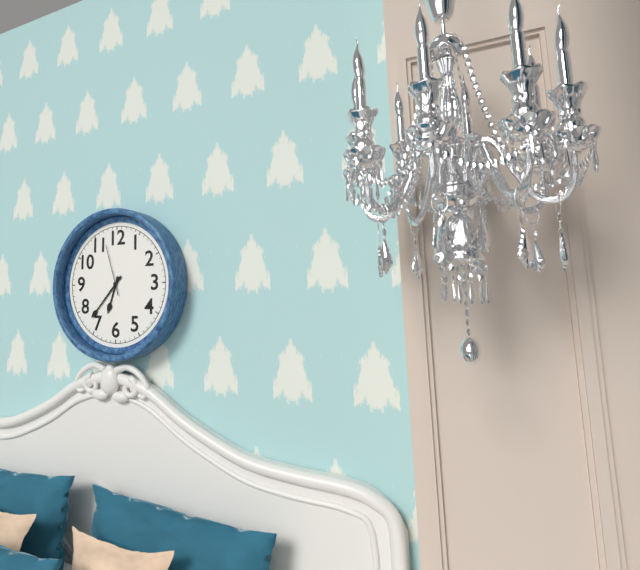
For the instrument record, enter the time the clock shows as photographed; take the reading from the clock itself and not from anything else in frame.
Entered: 6:37:57
